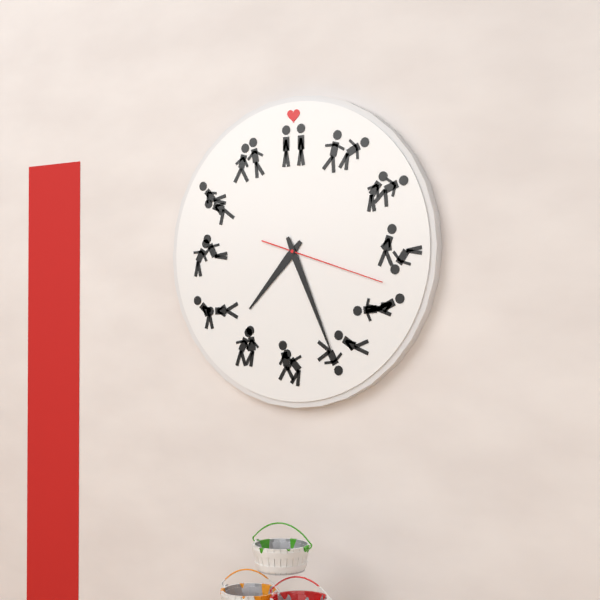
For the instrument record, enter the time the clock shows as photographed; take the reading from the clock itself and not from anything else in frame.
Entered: 7:26:18
